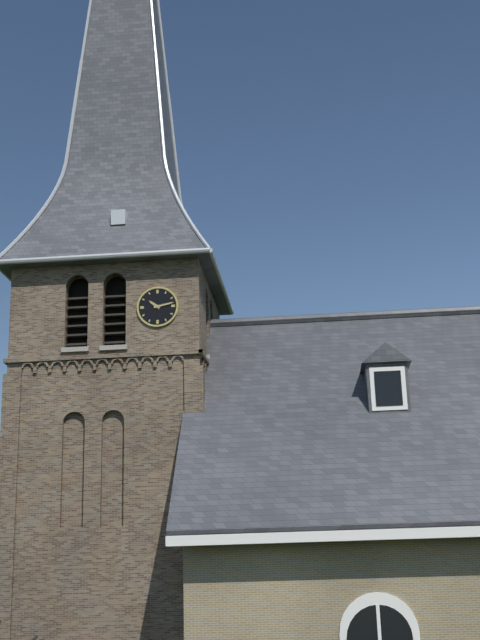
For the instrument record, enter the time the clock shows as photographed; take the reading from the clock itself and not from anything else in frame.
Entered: 10:13
